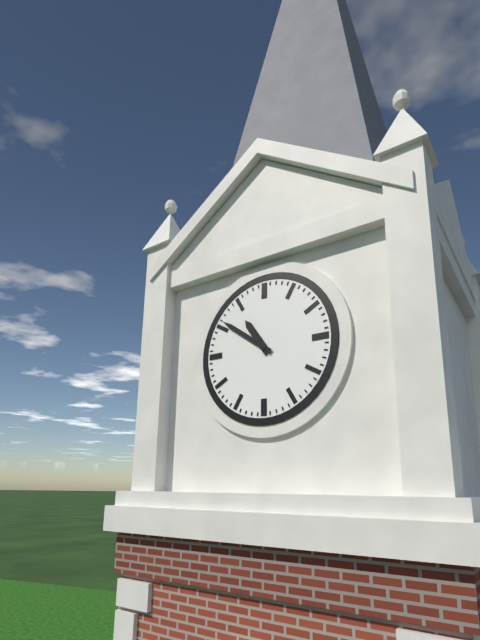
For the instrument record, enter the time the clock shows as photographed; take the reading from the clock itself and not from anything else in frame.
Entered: 10:51
